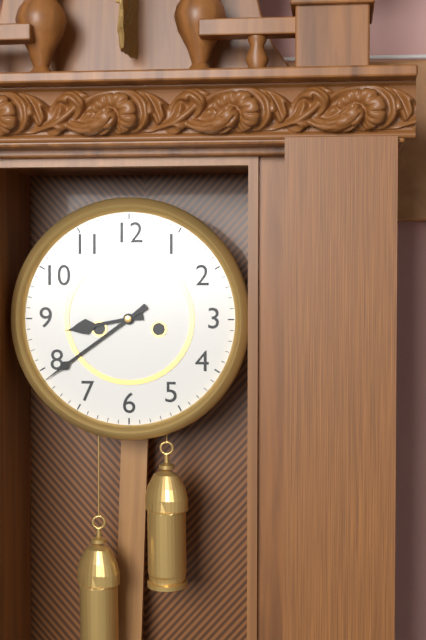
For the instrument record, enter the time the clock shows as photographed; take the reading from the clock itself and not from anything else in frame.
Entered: 8:39
